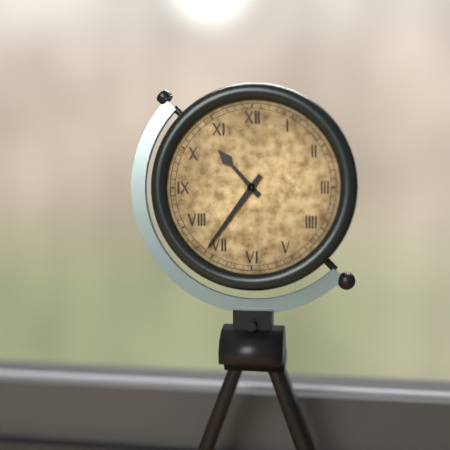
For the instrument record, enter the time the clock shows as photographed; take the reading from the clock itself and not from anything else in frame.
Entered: 10:36
